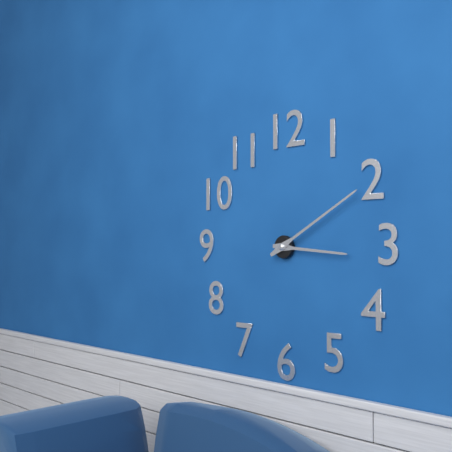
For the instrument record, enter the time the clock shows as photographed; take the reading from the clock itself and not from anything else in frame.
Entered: 3:10
